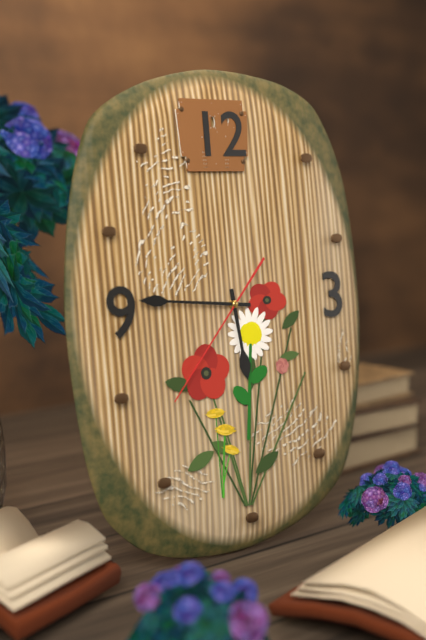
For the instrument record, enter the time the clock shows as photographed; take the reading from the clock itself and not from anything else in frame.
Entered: 5:46:37
